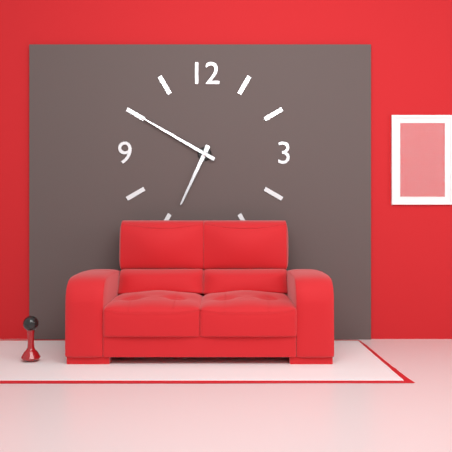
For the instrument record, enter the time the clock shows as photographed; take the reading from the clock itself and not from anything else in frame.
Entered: 6:50
